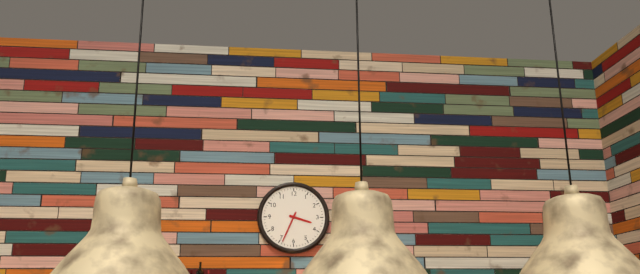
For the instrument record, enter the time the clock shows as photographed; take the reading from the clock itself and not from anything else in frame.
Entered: 3:34
